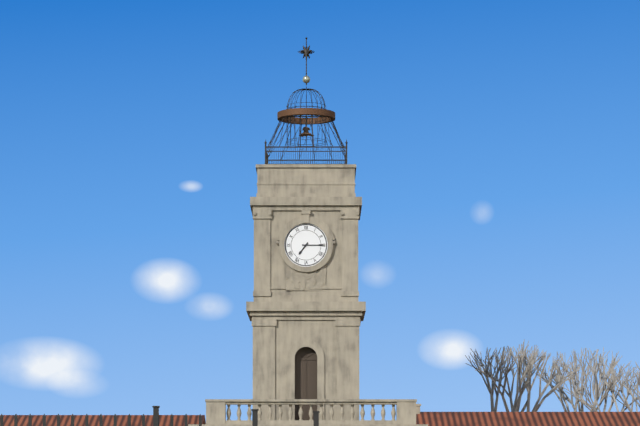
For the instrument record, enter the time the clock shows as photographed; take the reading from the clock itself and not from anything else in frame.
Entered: 7:15
